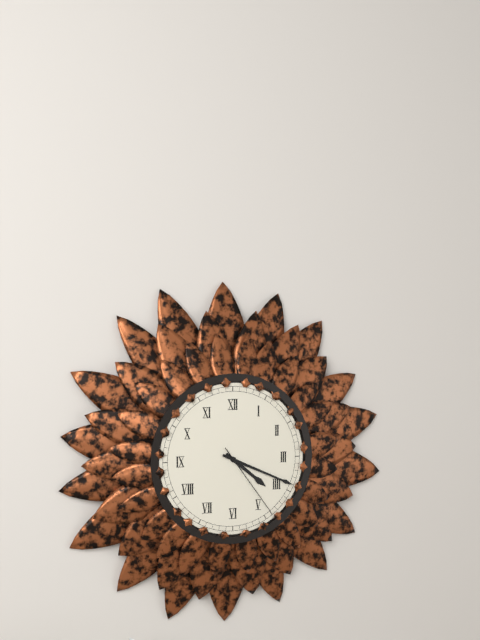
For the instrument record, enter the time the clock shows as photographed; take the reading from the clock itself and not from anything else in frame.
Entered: 4:19:24
